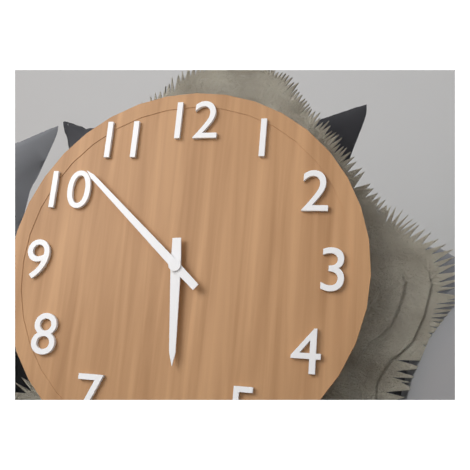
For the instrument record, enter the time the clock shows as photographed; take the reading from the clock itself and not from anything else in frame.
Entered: 5:52
